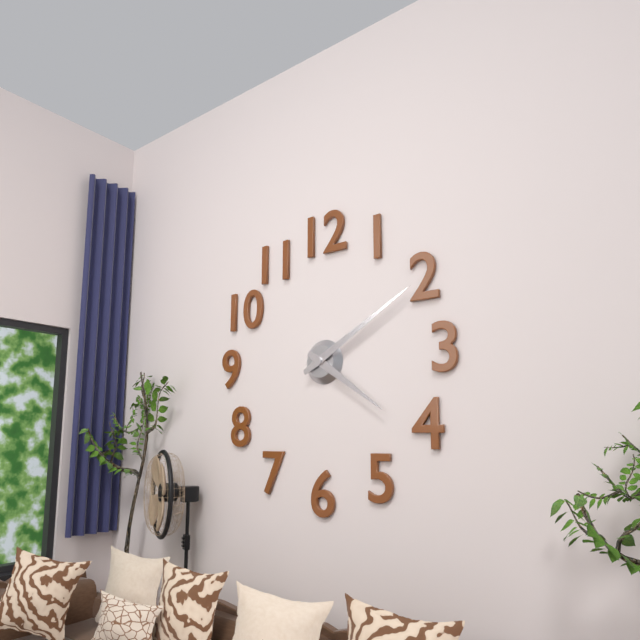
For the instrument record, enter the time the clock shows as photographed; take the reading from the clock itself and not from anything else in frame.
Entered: 4:10
